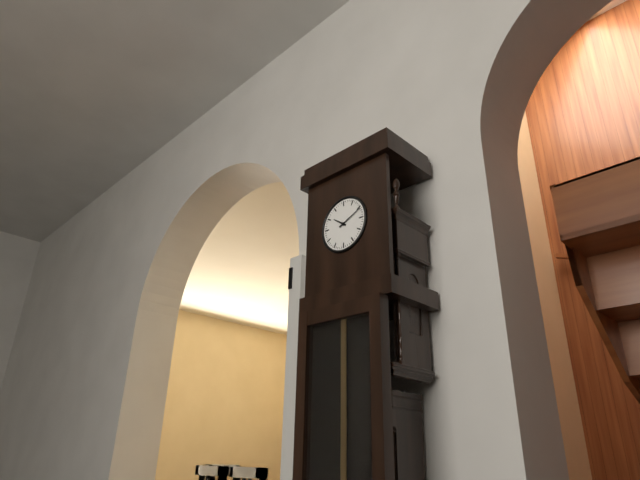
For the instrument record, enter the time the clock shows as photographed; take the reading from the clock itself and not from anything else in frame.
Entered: 10:11
